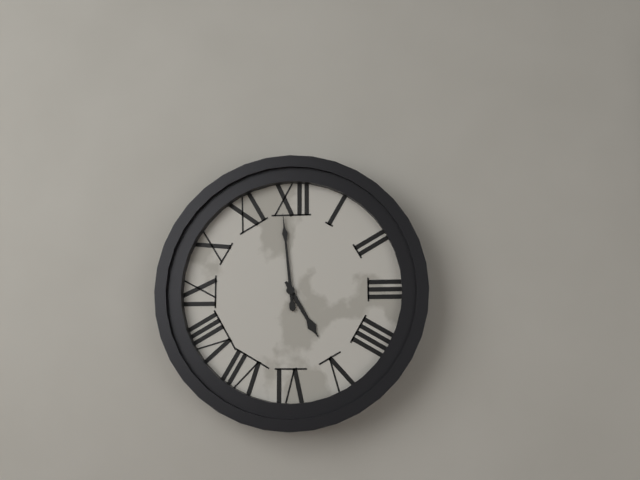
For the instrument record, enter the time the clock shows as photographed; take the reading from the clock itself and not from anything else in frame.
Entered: 4:59
